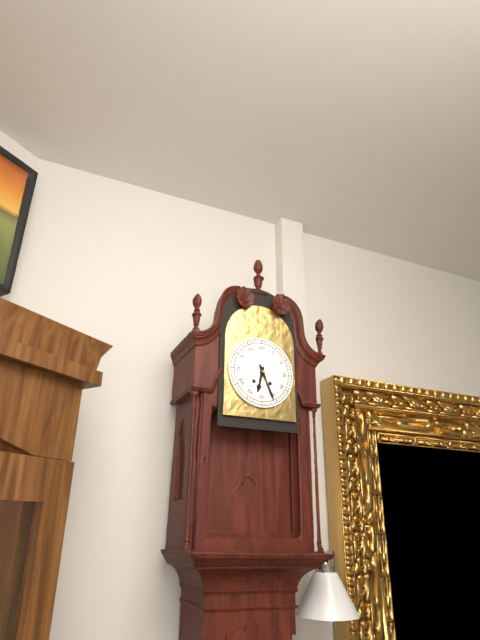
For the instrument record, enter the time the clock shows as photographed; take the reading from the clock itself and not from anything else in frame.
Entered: 6:26
